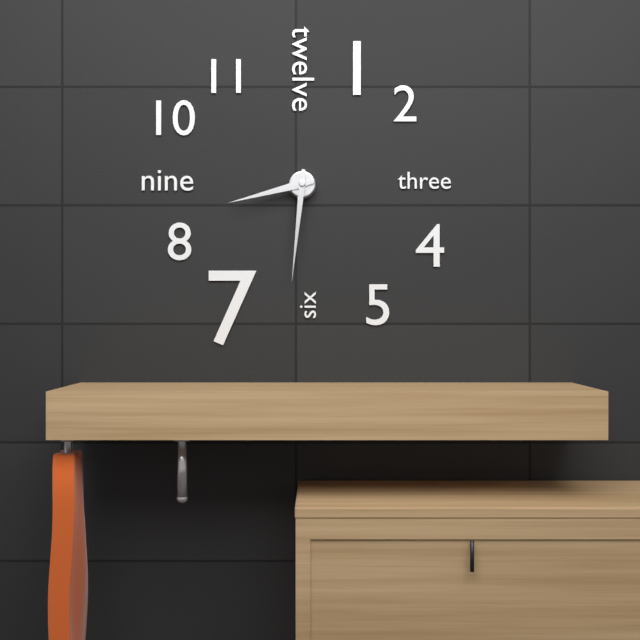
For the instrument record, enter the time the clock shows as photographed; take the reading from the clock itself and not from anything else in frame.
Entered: 8:31
